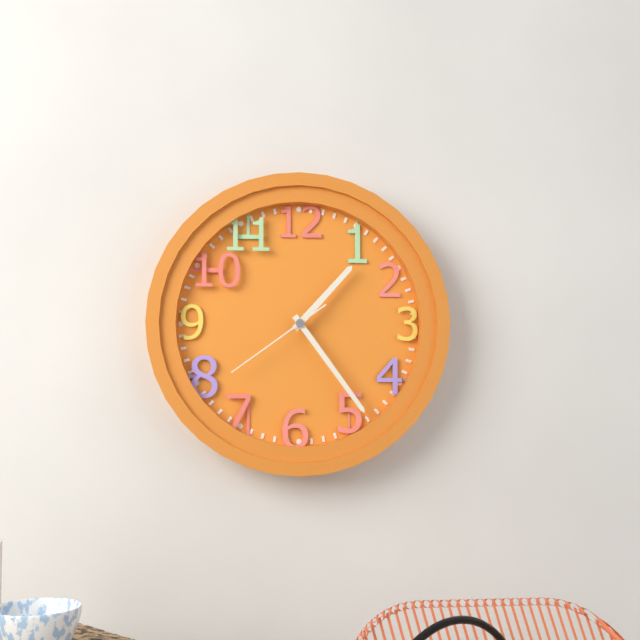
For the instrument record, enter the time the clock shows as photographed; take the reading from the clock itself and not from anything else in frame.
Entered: 1:24:39
